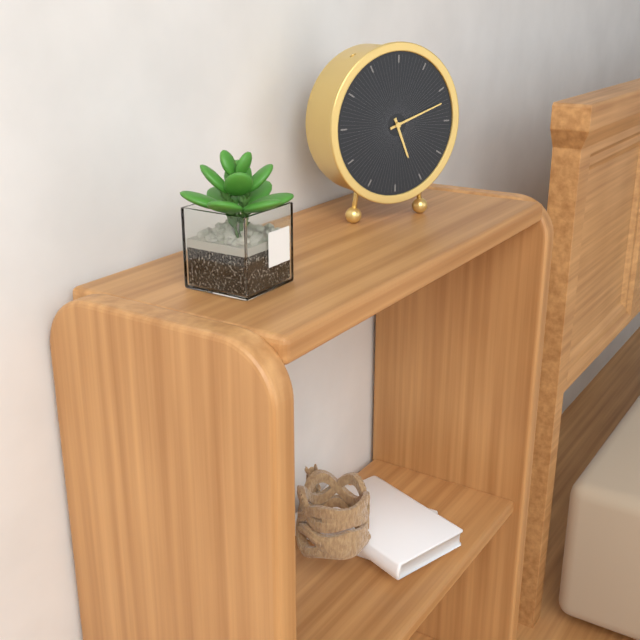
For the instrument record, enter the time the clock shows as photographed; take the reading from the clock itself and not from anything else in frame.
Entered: 5:12
